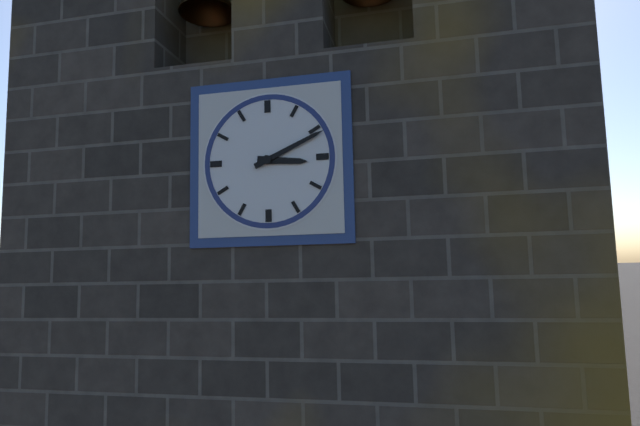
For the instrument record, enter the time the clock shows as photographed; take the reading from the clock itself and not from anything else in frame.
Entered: 3:11
